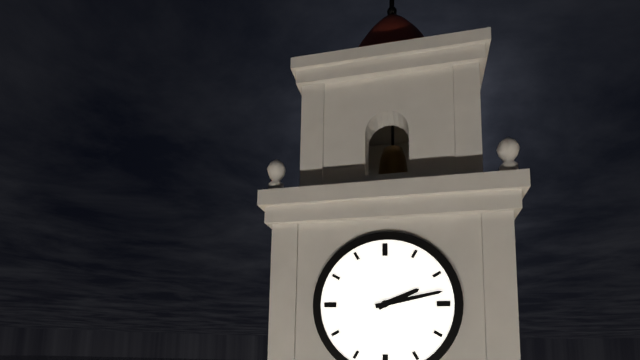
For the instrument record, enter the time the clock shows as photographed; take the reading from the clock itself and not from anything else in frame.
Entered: 2:13
